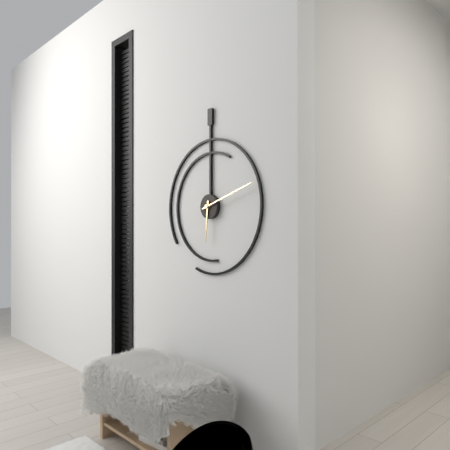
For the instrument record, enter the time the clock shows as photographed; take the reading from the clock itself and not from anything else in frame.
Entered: 6:12
